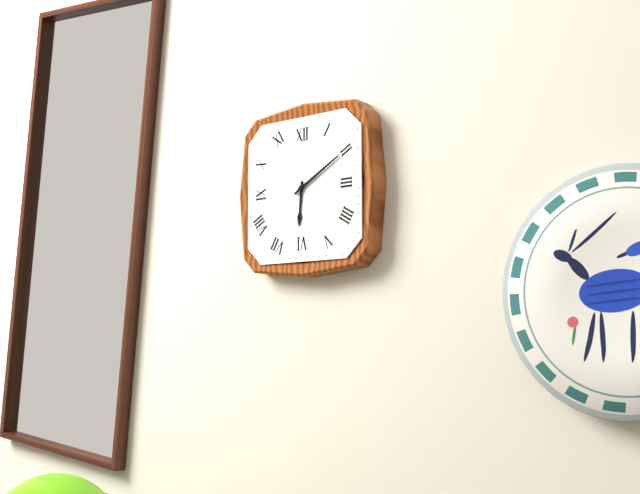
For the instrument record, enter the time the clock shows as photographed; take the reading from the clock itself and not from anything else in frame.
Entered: 6:10
